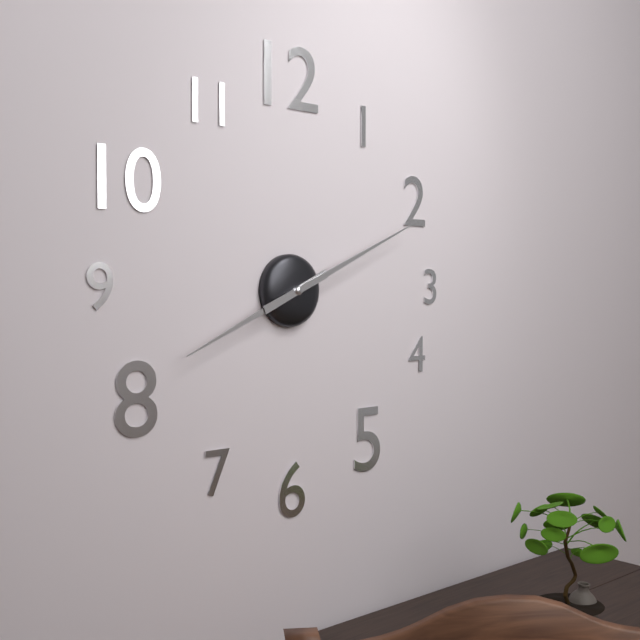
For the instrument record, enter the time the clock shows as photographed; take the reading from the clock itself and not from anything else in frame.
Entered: 8:11
